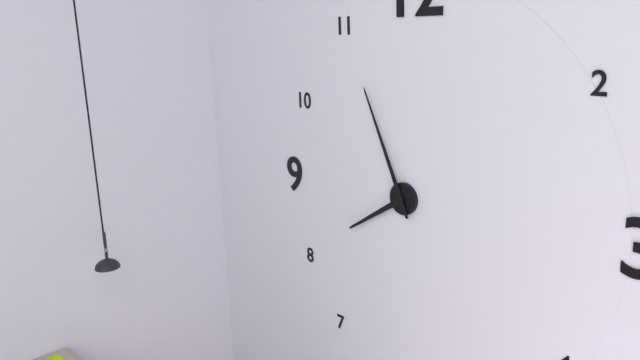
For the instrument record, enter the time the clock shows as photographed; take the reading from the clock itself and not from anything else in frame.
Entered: 7:56
